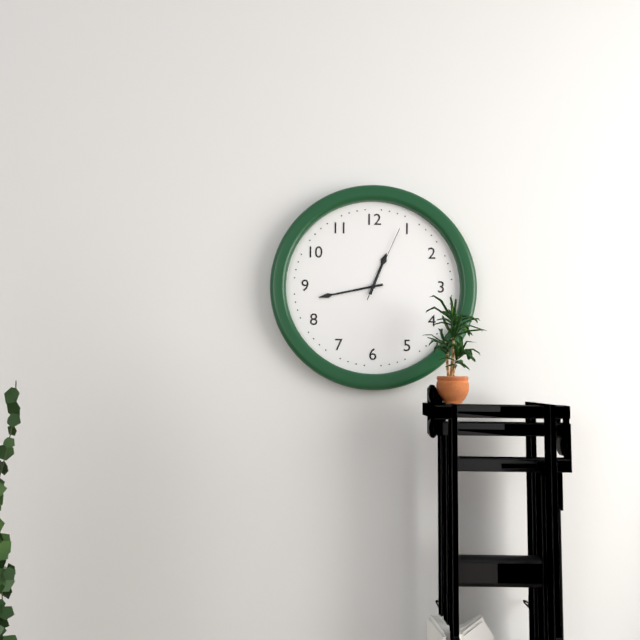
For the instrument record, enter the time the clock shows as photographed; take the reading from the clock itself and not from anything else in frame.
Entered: 12:43:04
